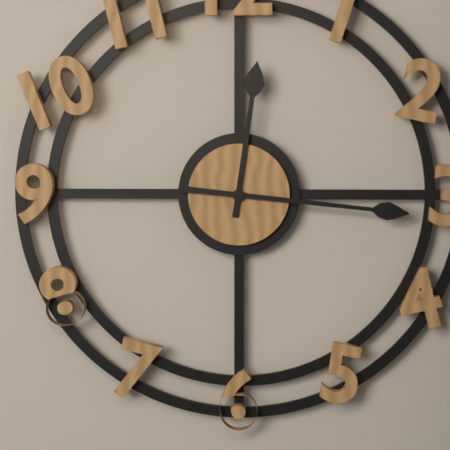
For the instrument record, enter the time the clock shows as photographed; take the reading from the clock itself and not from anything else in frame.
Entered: 12:16
